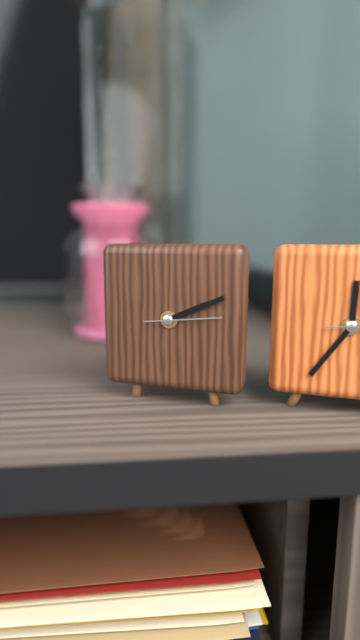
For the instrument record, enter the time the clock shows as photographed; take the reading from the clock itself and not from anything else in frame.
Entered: 2:11:14
